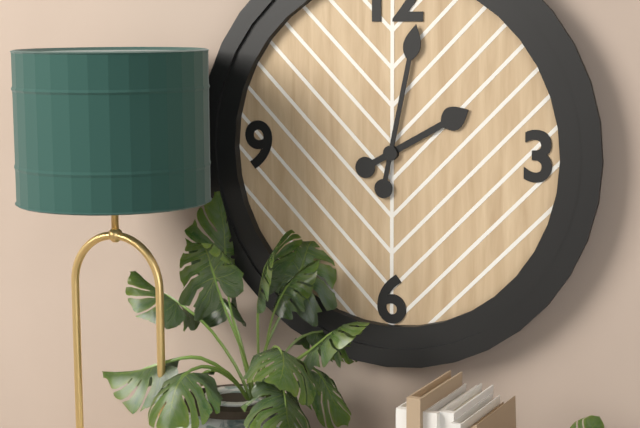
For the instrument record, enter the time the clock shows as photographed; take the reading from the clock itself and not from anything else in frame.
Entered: 2:02
